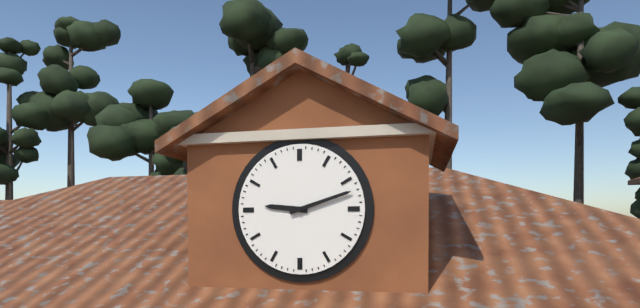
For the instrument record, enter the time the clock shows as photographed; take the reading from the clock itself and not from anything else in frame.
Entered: 9:12
